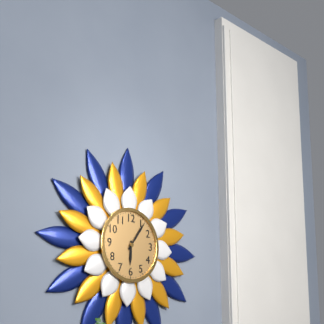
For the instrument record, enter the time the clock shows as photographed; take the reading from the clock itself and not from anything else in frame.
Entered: 6:06
